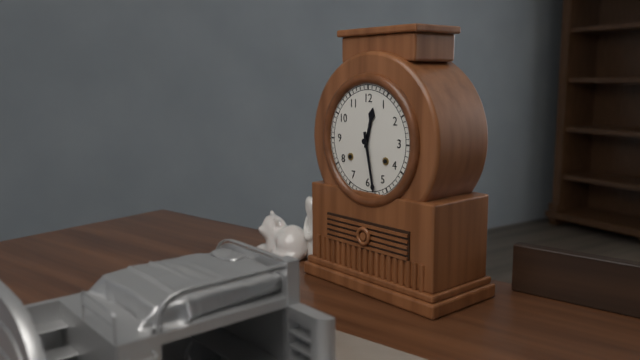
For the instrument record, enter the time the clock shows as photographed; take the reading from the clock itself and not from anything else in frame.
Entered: 12:28
